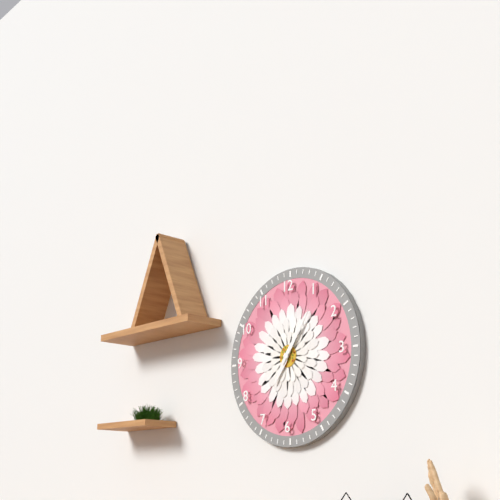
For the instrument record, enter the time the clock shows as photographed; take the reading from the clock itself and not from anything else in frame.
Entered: 7:06
